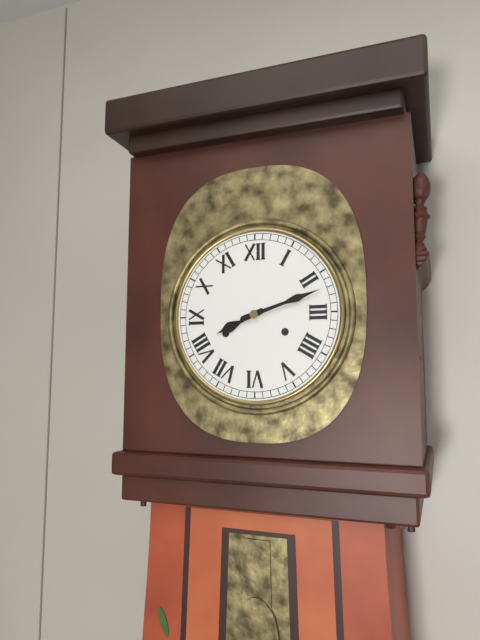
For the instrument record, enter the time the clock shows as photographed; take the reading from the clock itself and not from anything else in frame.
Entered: 8:12
